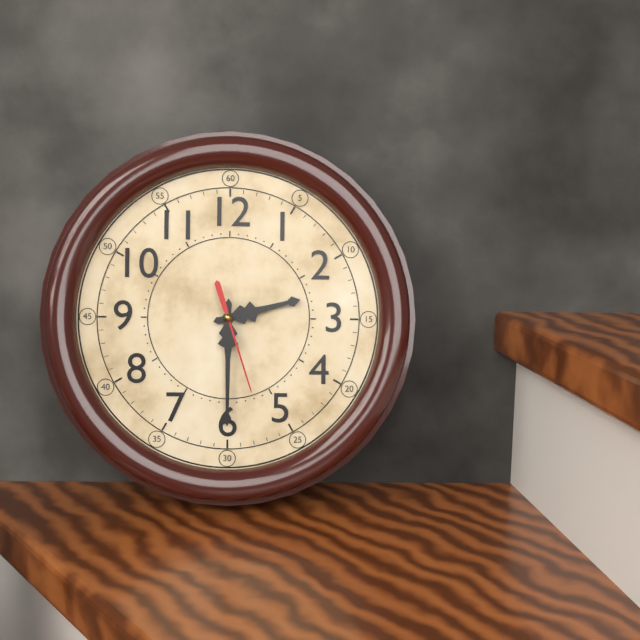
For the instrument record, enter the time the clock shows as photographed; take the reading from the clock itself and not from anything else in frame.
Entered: 2:30:27
